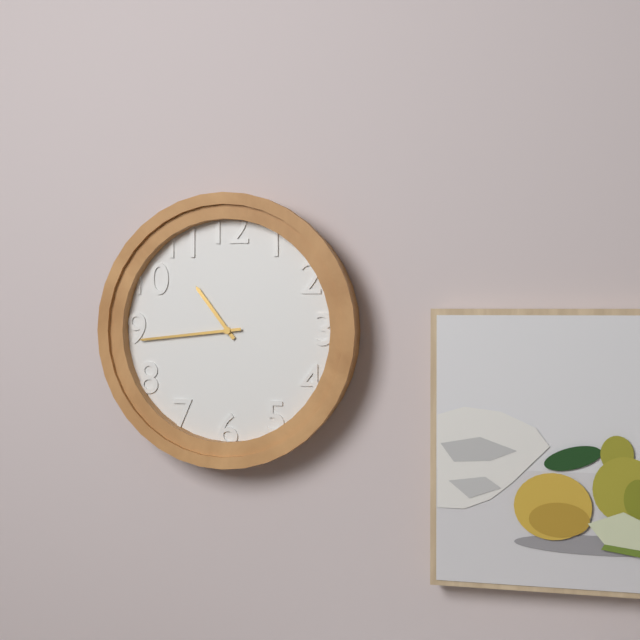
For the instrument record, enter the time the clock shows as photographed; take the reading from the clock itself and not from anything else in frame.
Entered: 10:44
